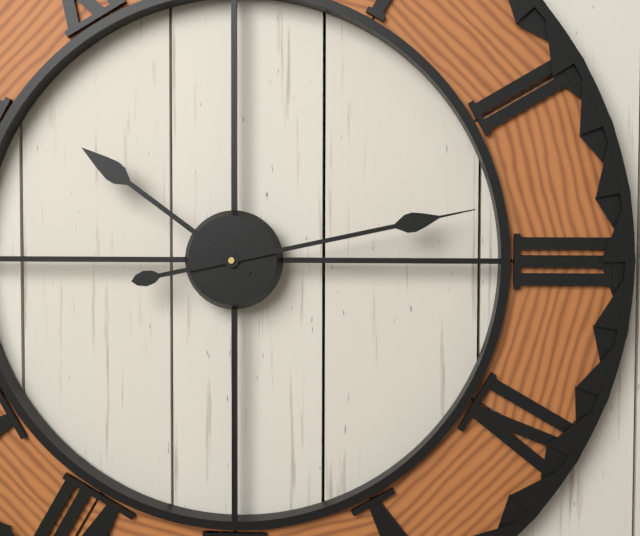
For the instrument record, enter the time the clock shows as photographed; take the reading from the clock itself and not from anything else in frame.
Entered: 10:13
